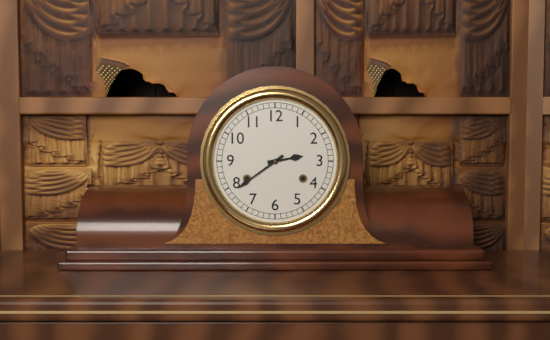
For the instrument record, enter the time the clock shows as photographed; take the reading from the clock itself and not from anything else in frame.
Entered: 2:39
